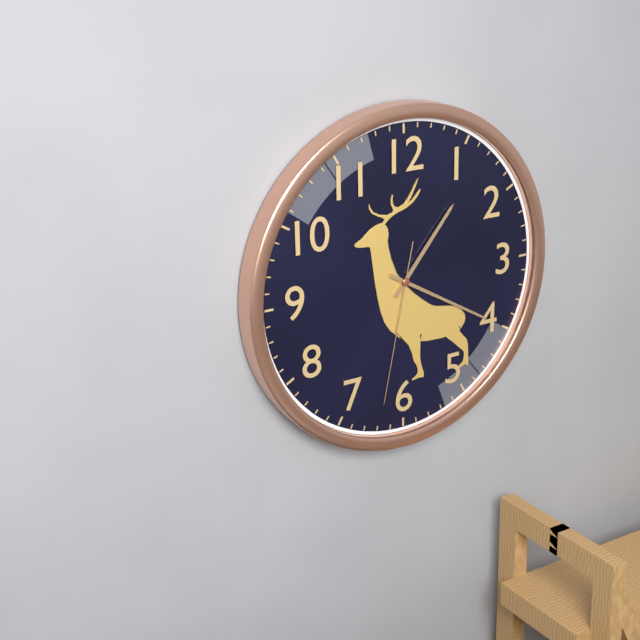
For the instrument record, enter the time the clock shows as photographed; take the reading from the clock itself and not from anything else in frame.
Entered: 1:20:32
